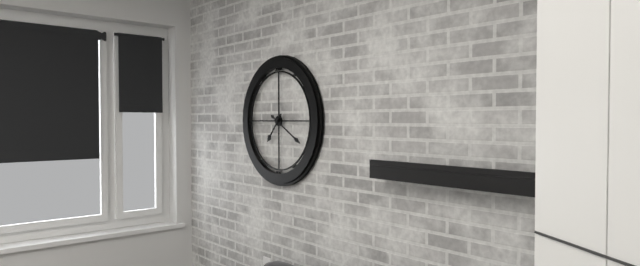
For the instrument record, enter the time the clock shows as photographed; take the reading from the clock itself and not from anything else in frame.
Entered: 7:20
